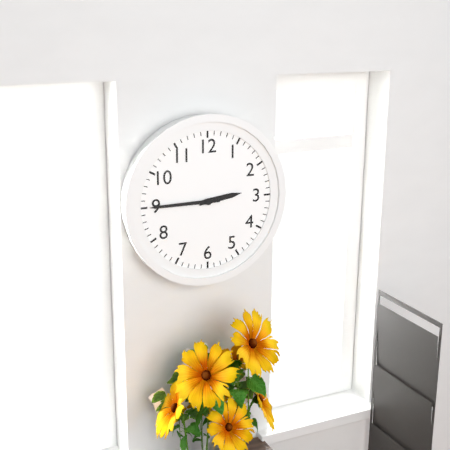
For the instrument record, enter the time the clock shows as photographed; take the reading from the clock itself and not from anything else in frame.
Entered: 2:45
